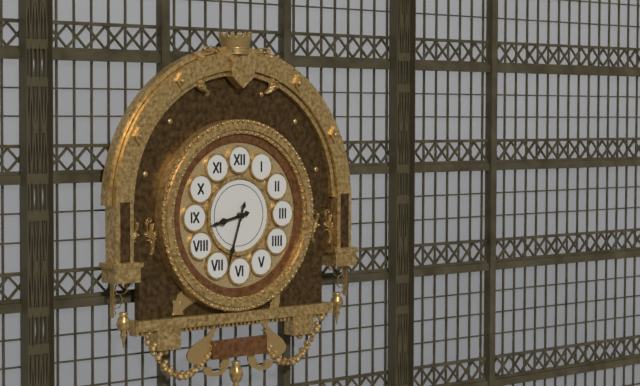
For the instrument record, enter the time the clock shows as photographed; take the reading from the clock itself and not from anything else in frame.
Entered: 8:33
